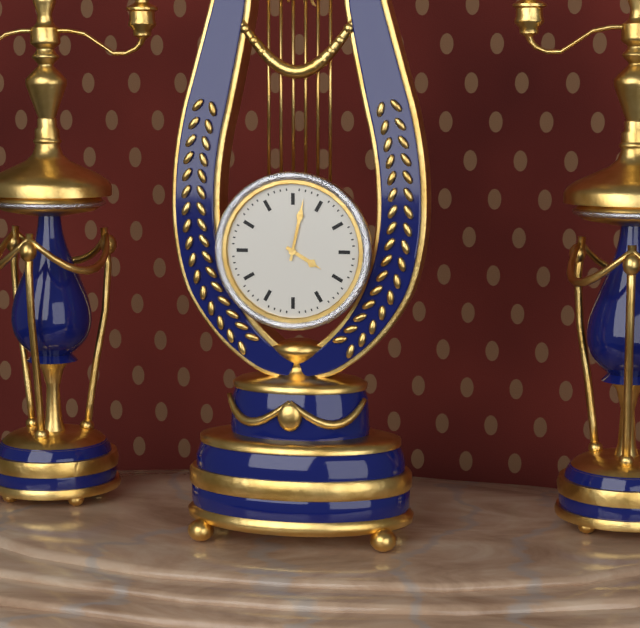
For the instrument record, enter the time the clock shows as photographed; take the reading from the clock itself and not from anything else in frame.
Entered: 4:02
